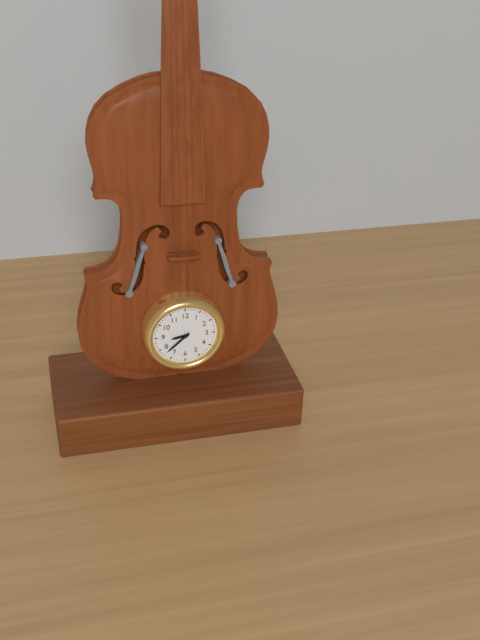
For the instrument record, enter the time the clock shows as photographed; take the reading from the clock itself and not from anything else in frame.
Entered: 8:38
